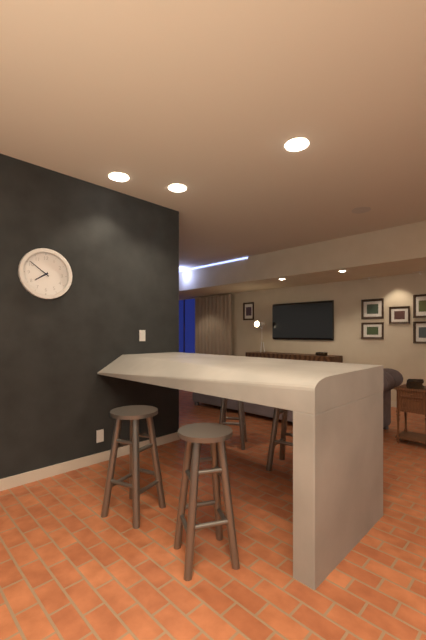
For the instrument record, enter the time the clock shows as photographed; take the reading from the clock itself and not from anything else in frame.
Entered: 7:51
